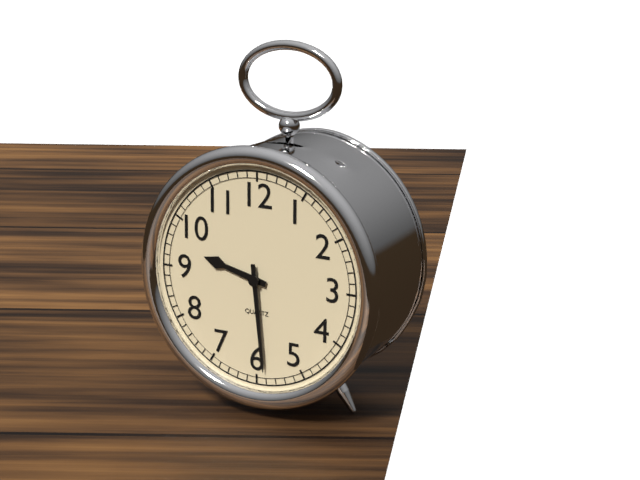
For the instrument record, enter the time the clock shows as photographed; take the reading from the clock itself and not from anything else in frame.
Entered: 9:29
